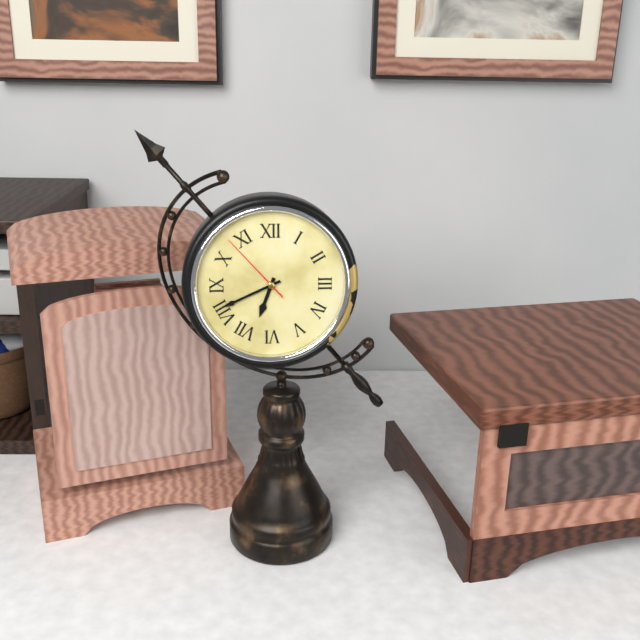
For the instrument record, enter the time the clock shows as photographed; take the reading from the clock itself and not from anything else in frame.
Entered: 6:41:53
